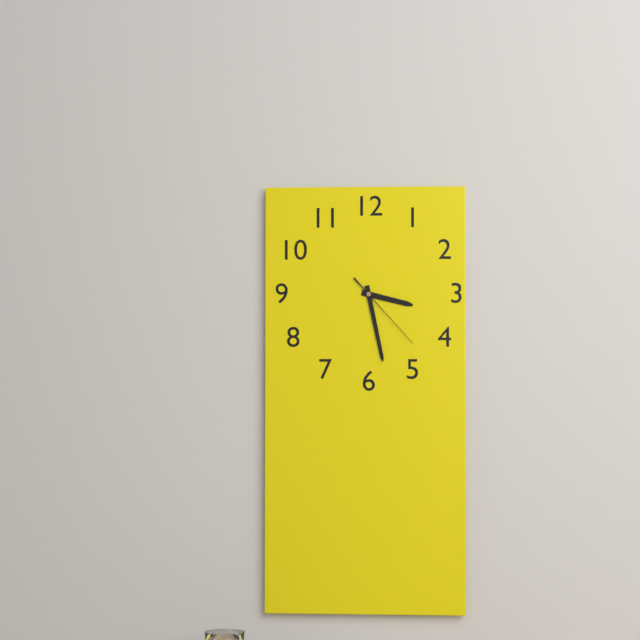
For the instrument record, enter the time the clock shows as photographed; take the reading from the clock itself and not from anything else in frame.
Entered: 3:28:23
